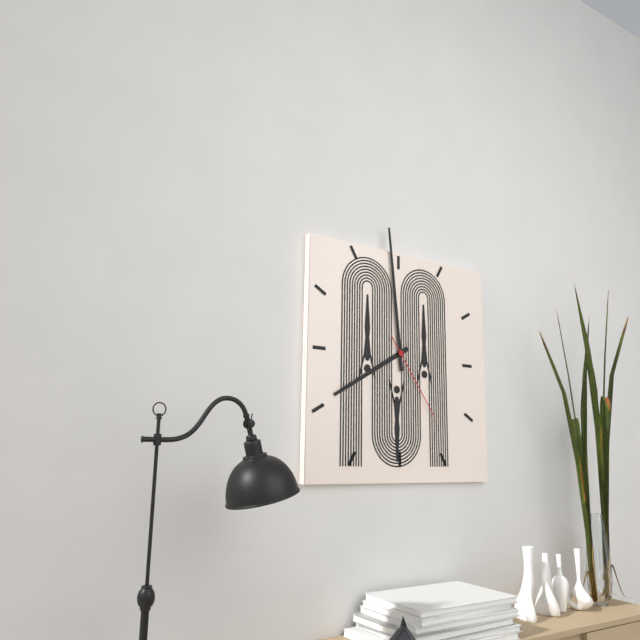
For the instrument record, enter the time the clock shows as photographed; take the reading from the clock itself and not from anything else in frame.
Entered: 7:59:24
